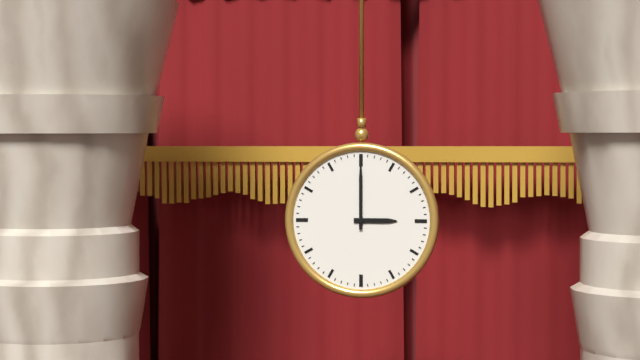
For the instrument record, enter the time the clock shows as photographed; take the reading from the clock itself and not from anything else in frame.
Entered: 3:00
